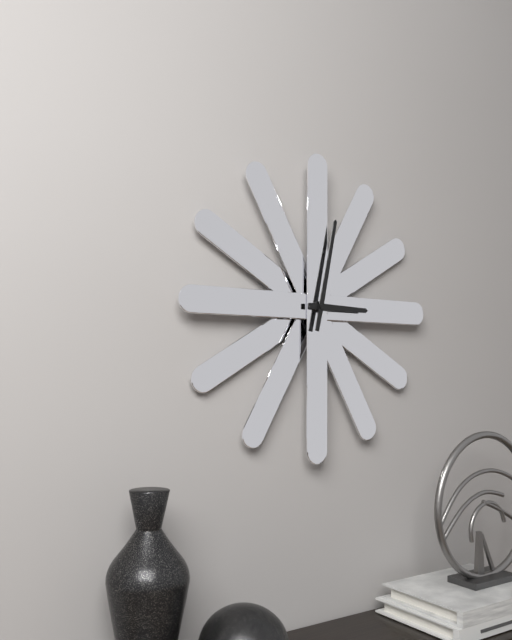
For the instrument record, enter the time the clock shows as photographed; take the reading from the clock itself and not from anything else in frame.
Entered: 3:02
